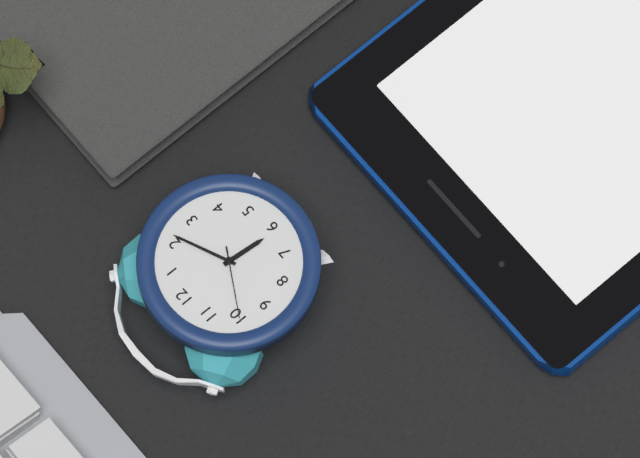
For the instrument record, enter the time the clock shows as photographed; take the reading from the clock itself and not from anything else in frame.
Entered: 6:11:50
